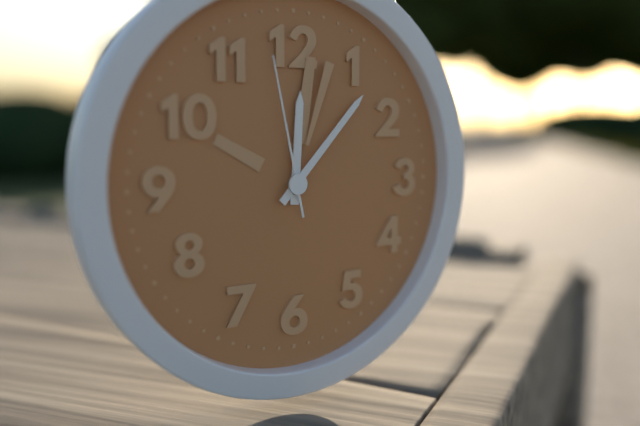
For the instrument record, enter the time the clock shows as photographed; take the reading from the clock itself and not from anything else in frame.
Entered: 12:07:58
